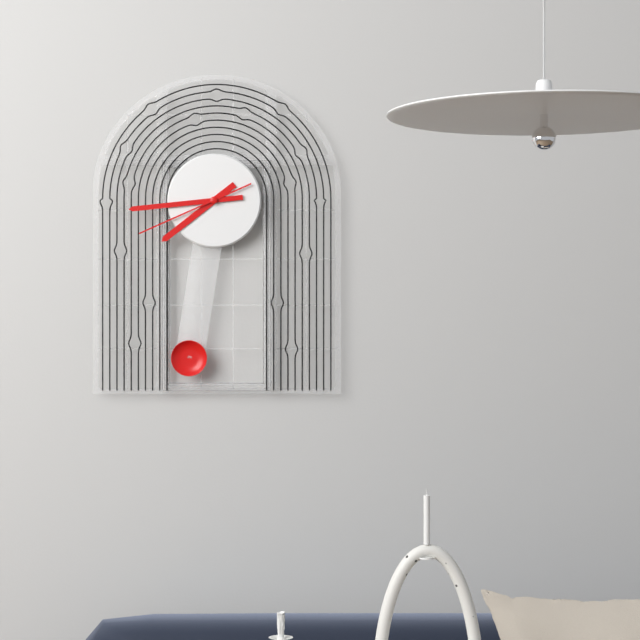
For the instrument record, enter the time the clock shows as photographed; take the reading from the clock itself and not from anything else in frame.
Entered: 7:44:41
